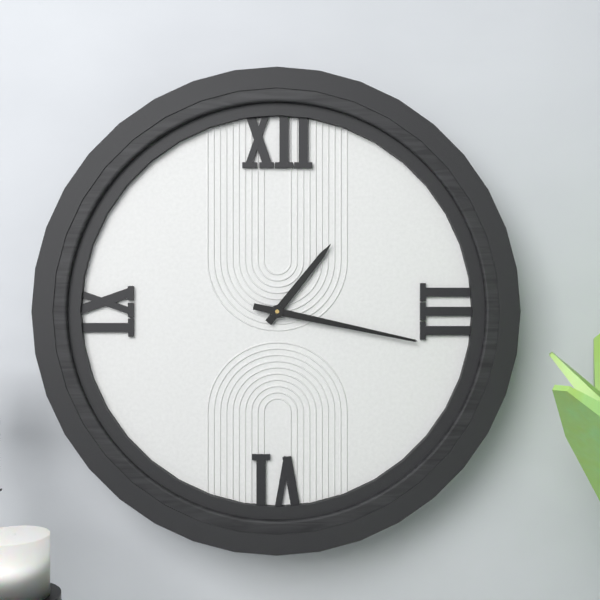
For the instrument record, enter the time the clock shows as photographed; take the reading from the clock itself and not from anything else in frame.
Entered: 1:17
